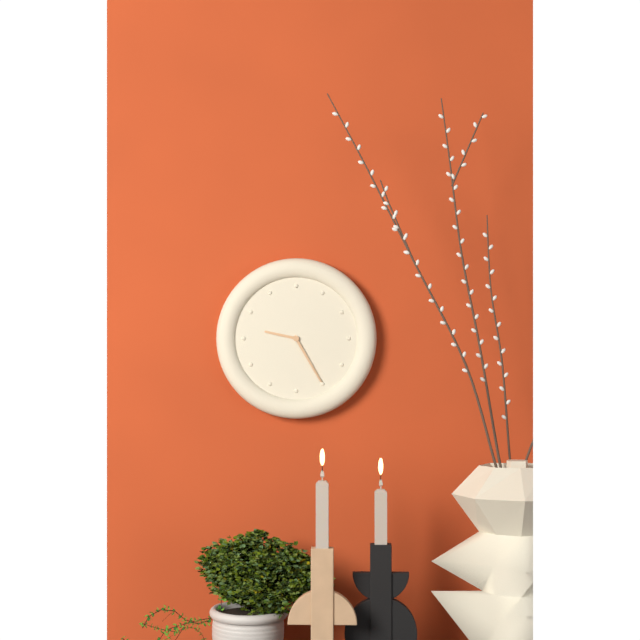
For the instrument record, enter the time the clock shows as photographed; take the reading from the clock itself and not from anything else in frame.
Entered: 9:25
